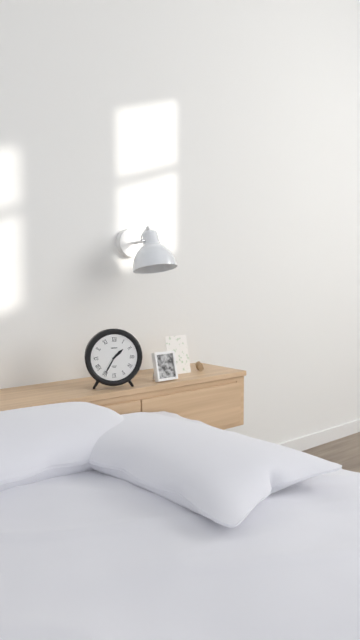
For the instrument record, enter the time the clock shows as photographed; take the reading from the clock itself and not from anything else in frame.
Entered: 1:35
